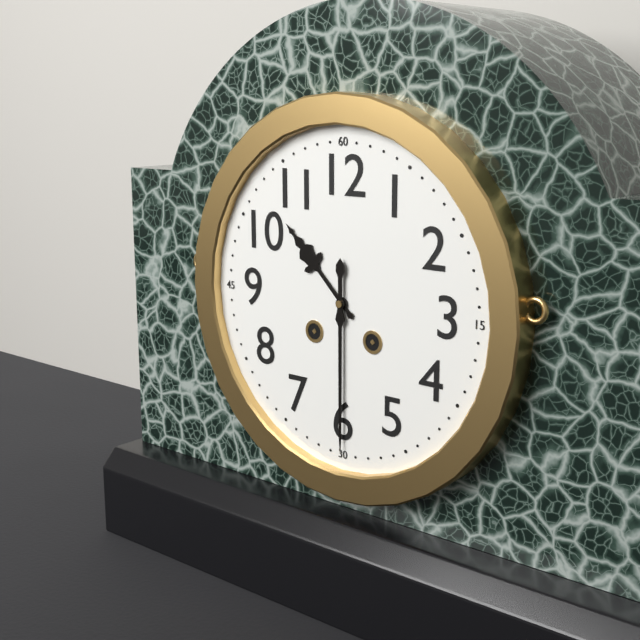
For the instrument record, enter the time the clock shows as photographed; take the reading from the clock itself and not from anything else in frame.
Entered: 10:30
